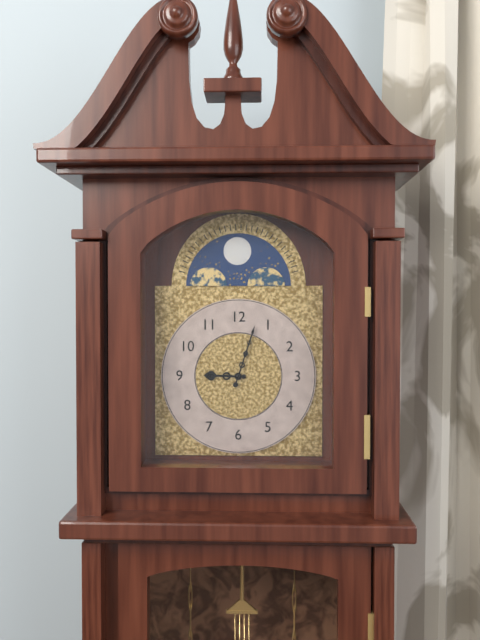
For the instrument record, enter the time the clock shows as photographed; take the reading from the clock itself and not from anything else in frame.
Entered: 9:03
